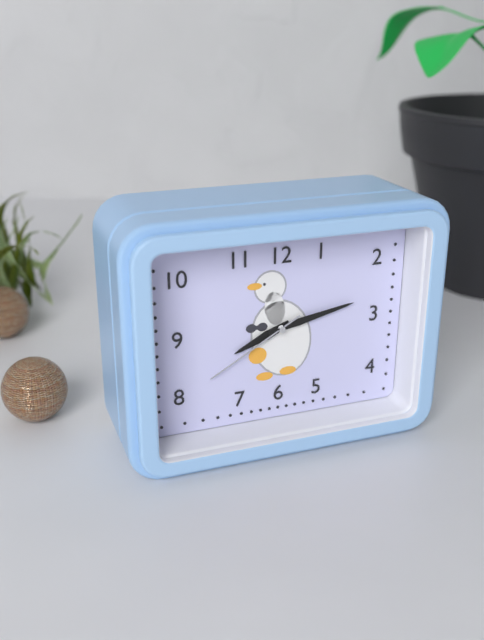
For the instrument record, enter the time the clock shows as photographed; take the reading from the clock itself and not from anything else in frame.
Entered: 8:13:40
